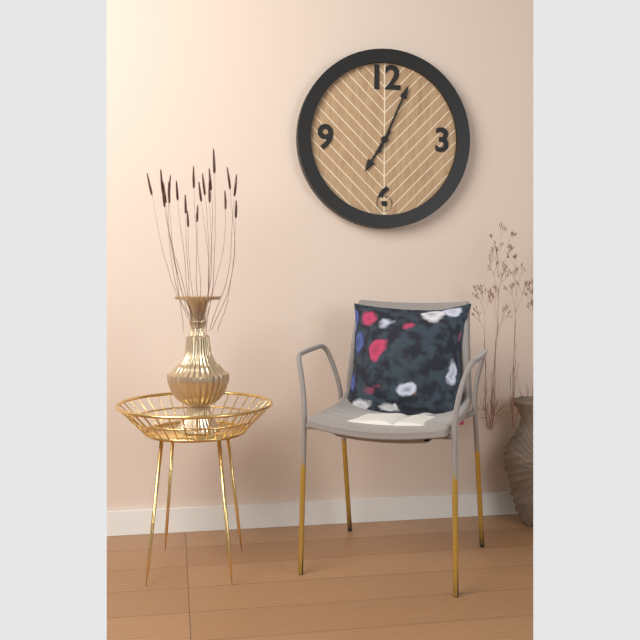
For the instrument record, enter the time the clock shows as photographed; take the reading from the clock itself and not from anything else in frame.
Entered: 7:04
